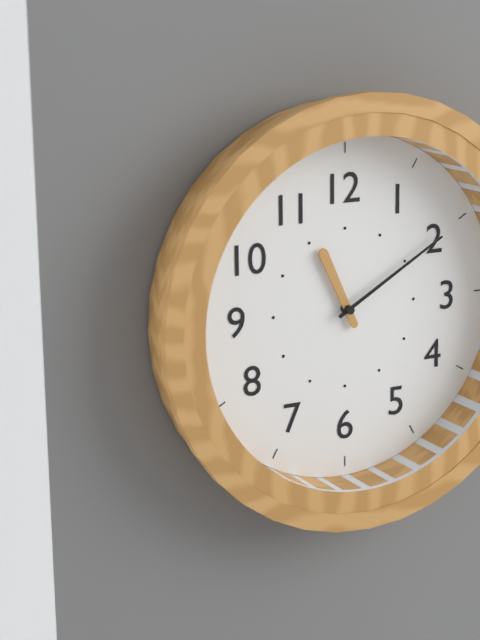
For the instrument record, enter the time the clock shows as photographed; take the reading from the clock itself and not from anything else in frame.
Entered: 11:10
